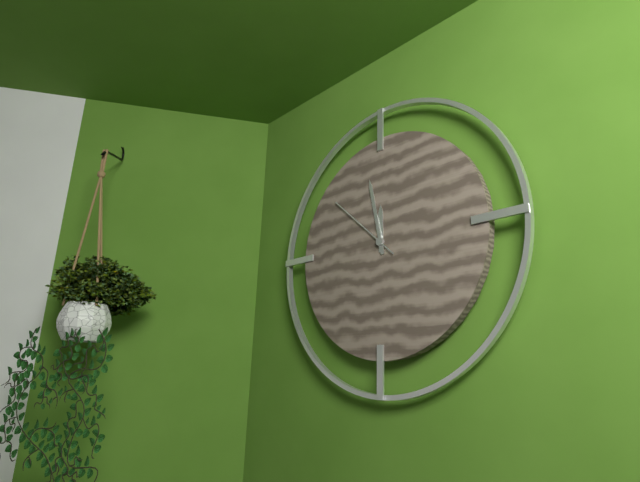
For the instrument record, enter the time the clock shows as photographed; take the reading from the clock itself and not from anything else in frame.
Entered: 11:58:52
